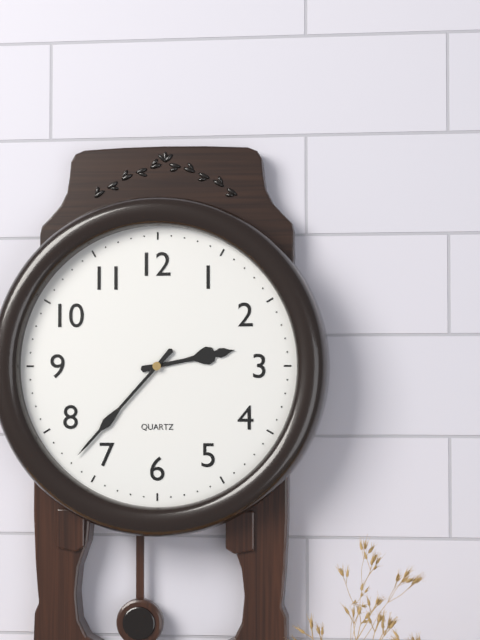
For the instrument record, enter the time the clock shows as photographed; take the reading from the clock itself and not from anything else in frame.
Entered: 2:37
